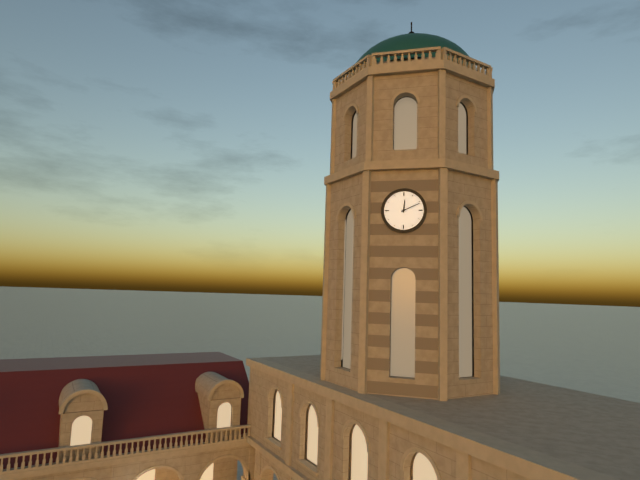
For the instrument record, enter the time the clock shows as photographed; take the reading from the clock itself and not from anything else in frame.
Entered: 12:11
